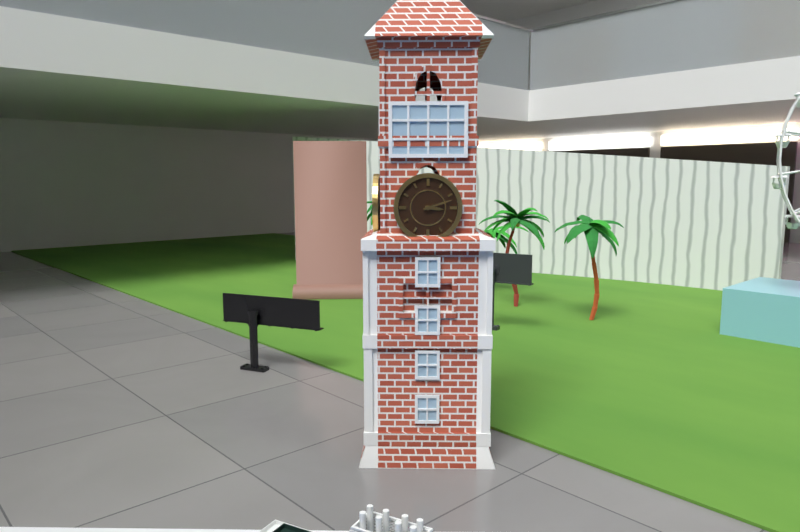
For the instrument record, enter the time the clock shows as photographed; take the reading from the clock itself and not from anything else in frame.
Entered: 3:12
